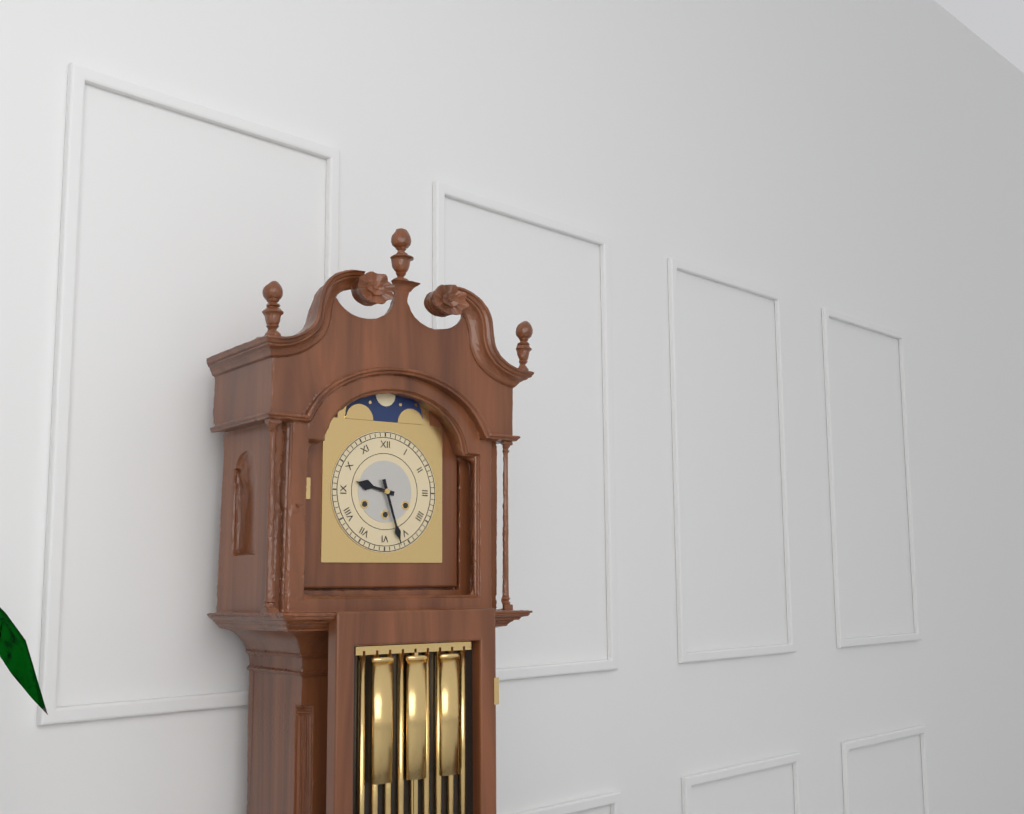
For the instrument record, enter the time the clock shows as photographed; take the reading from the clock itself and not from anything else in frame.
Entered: 9:27
